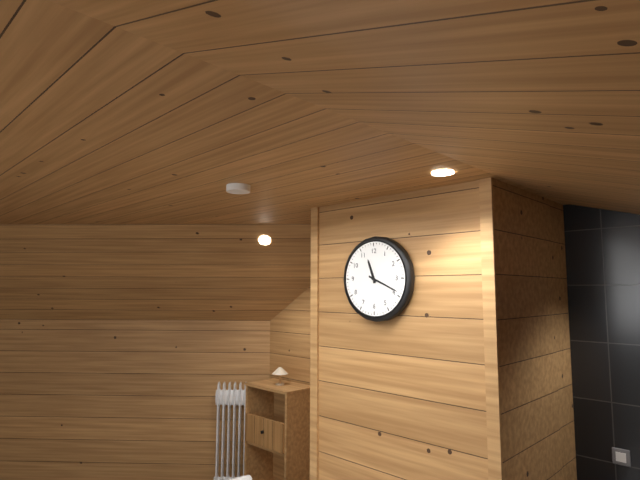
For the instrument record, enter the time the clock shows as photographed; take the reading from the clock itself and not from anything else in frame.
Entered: 11:19
